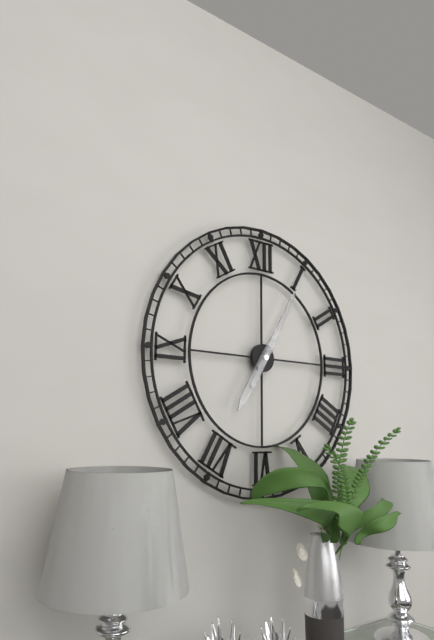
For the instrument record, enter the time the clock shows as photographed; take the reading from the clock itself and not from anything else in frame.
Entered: 7:05
